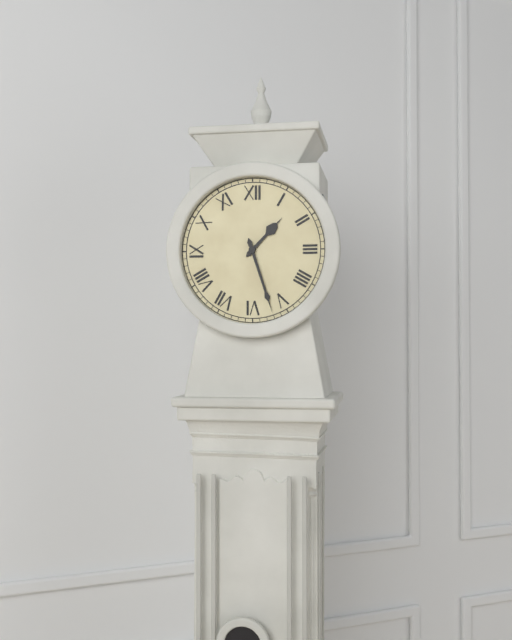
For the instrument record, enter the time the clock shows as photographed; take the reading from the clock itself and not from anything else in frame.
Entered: 1:27
